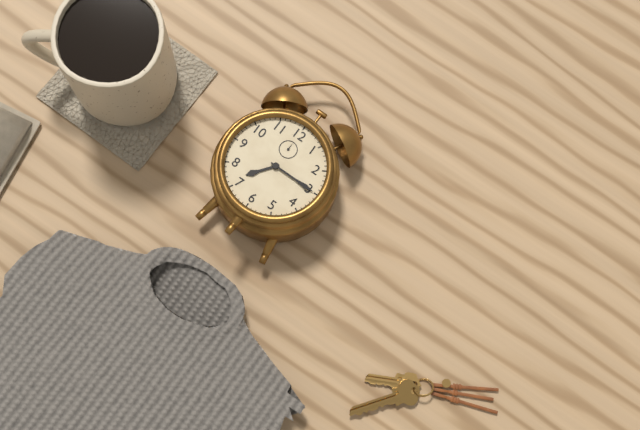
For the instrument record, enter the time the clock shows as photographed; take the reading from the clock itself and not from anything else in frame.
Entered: 7:15
